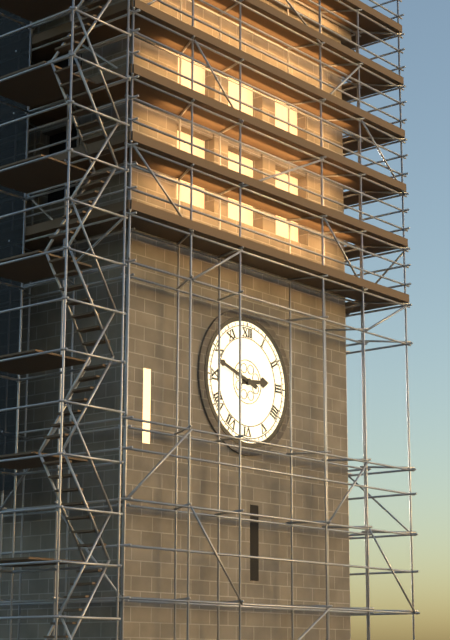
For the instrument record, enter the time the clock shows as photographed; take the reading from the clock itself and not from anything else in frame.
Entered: 2:48
